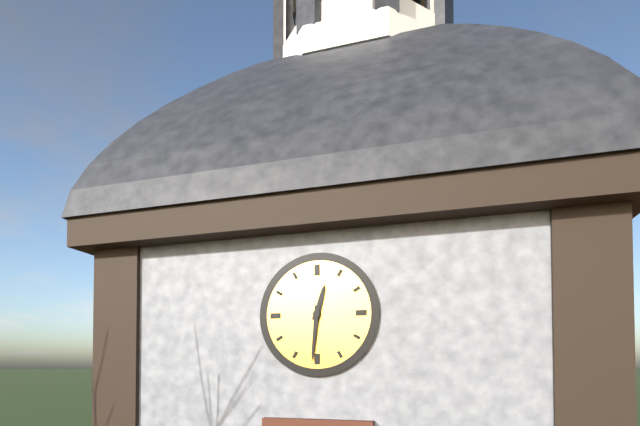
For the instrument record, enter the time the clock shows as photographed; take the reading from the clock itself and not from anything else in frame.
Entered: 12:31
